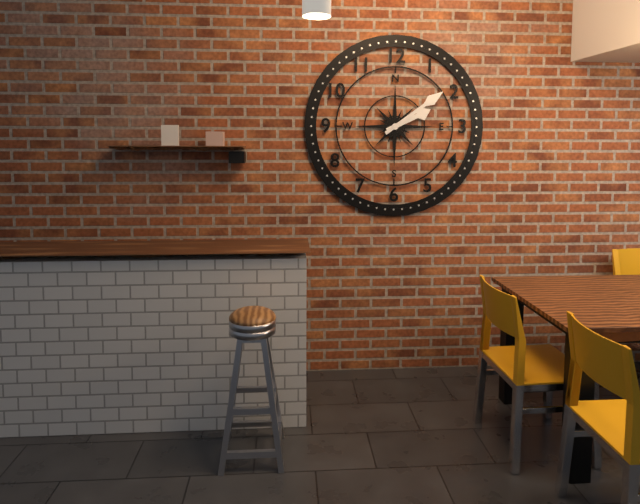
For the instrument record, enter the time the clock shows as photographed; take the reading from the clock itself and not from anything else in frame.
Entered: 2:09
